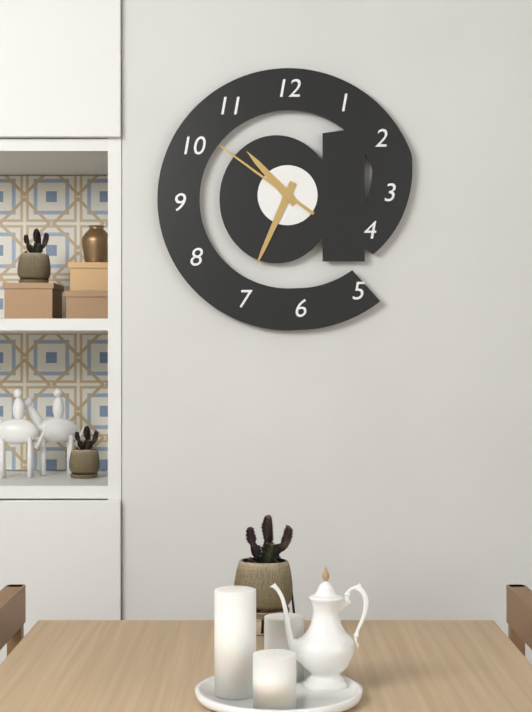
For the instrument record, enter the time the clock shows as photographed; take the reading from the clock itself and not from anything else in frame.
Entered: 10:34:51
